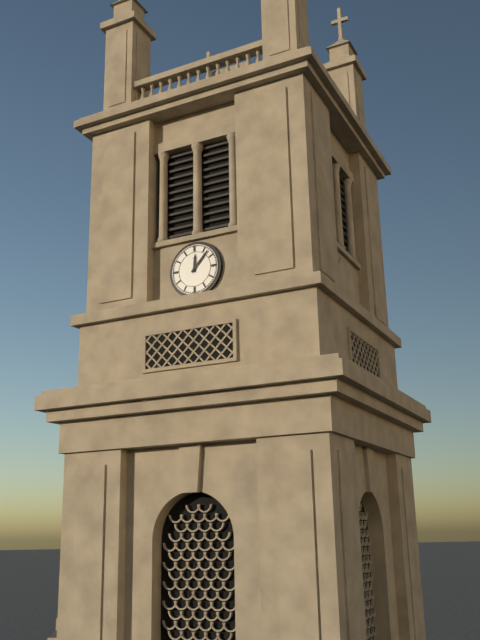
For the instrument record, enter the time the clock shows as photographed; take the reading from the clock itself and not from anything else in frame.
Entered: 12:07
